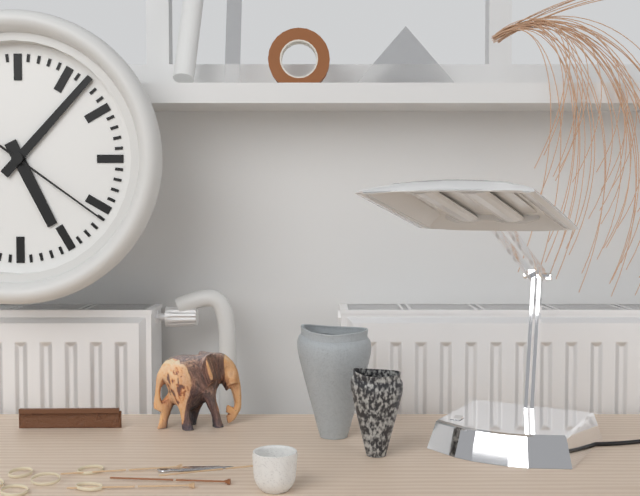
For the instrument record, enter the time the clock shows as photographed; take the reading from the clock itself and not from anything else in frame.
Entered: 5:07:21
